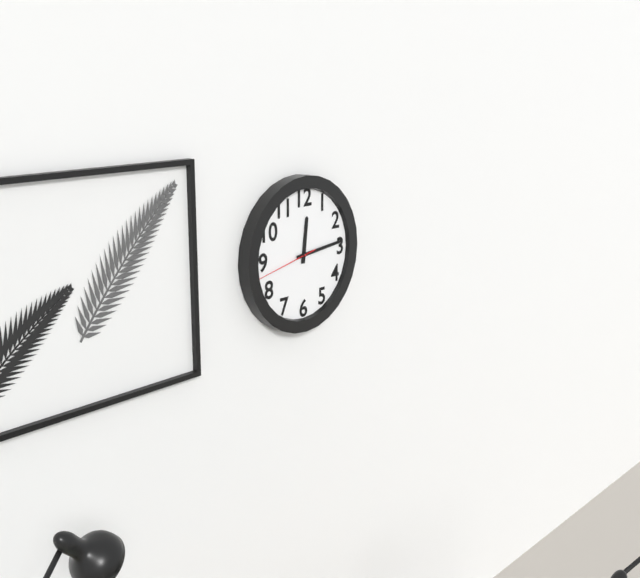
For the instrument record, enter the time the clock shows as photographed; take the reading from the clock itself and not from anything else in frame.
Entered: 12:14:43
